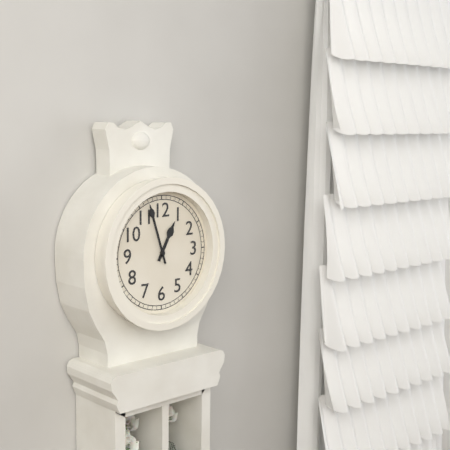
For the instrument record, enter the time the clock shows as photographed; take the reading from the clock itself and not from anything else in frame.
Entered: 12:57
